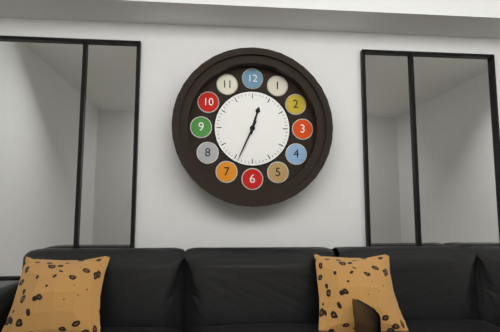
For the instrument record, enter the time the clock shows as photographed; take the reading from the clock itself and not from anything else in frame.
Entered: 12:34
